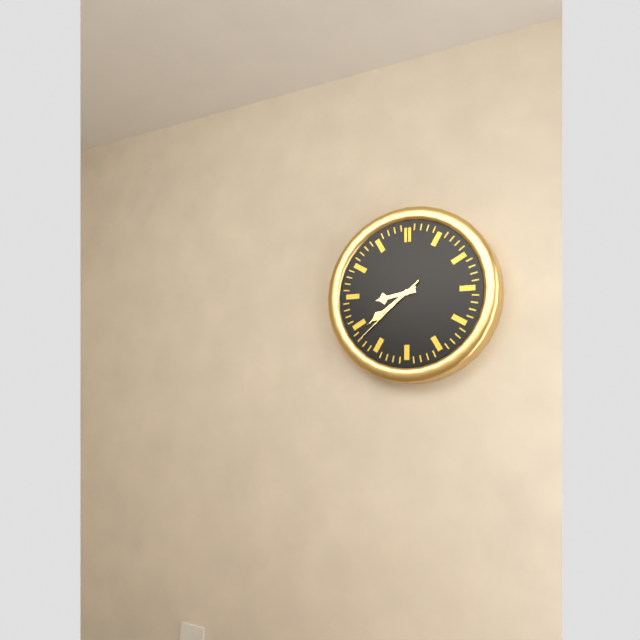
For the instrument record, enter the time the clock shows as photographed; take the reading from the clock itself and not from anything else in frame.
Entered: 8:39:38
